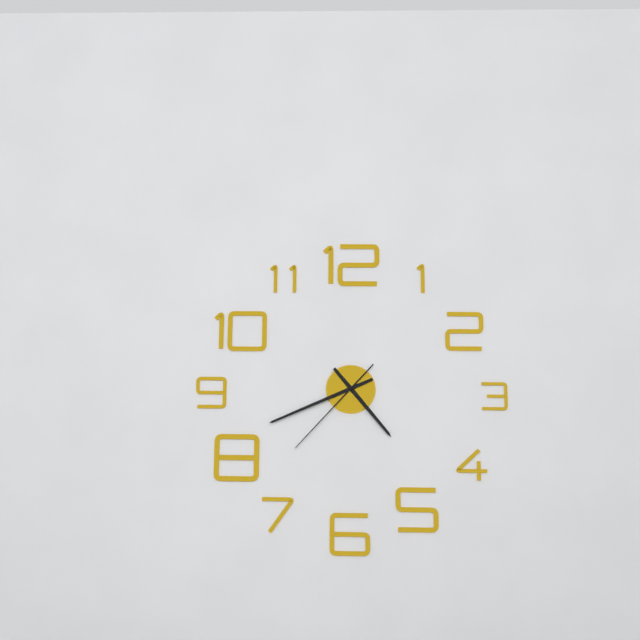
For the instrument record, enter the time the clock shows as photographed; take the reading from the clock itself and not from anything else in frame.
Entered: 4:41:37
